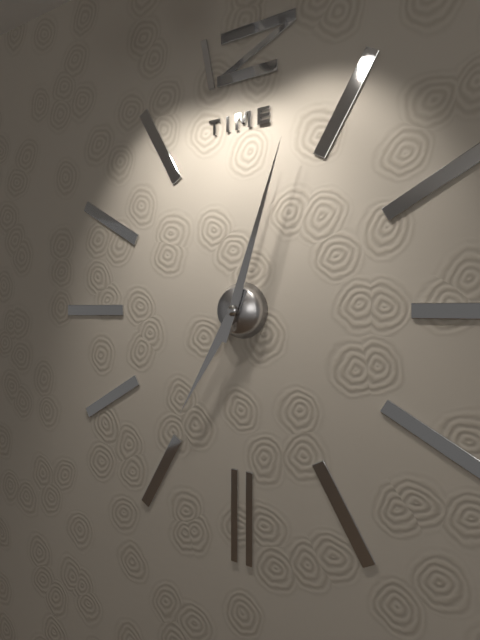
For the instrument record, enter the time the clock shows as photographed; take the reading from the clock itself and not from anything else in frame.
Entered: 7:03
